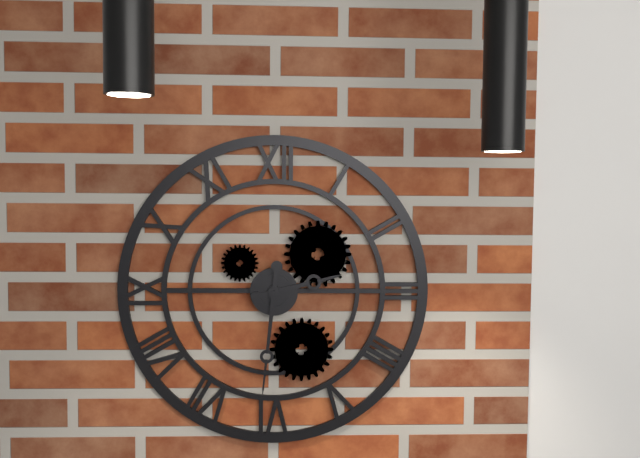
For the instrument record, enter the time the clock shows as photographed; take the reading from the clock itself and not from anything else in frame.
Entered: 2:31
